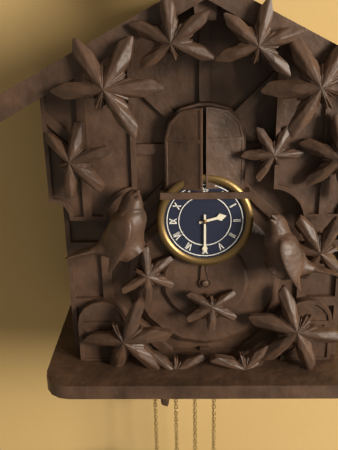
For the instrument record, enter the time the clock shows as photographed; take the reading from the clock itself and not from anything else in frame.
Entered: 2:30
